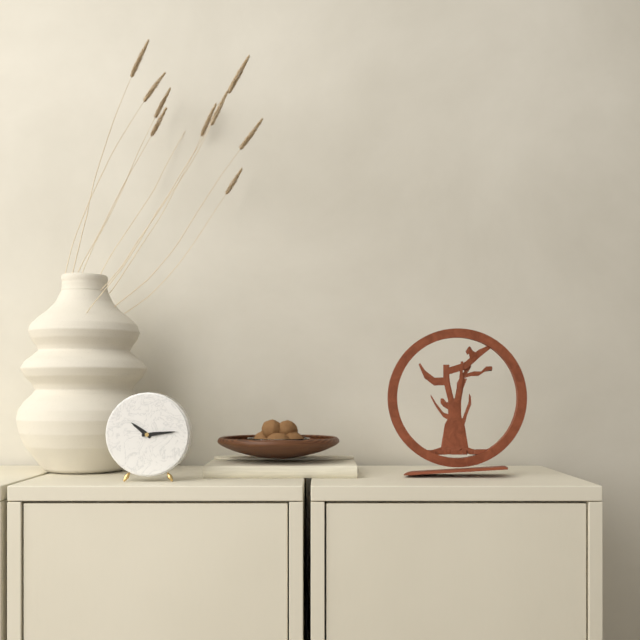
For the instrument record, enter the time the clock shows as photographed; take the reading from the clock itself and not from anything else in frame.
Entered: 10:14
